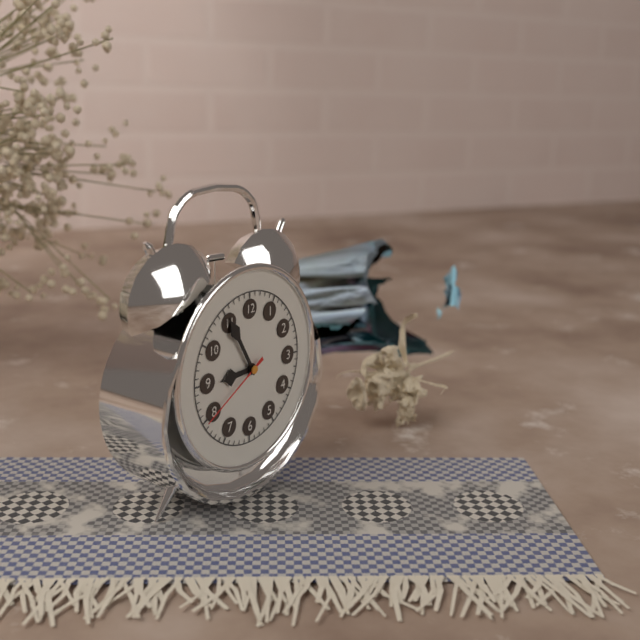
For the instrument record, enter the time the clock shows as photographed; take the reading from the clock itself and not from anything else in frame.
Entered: 8:55:40
